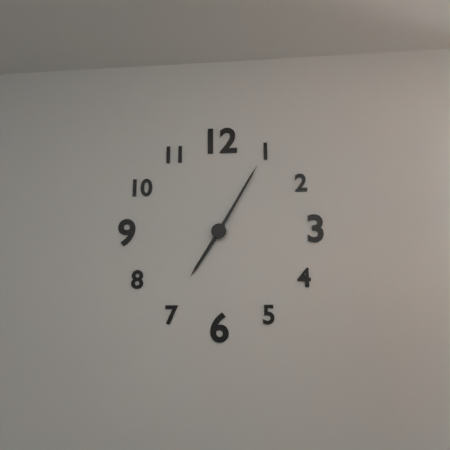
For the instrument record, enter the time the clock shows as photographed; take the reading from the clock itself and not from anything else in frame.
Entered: 7:05
